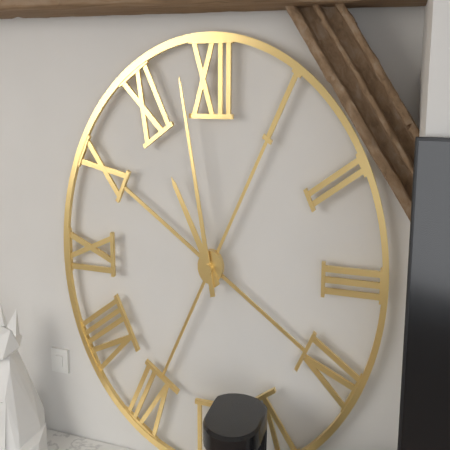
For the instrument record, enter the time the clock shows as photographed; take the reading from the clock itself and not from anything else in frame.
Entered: 10:58
